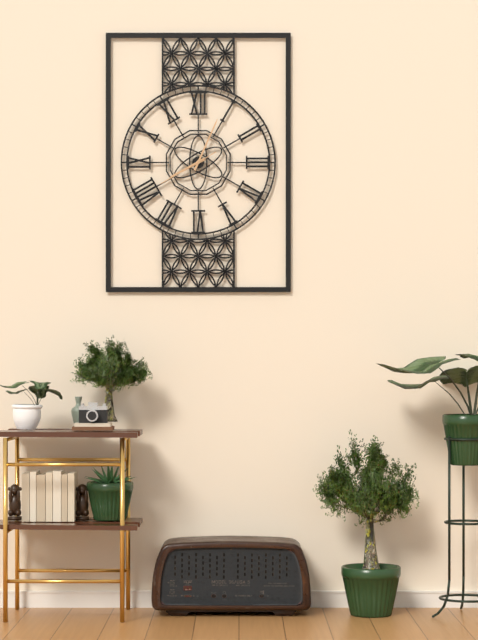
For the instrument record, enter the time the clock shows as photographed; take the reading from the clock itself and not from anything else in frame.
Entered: 8:04:40
